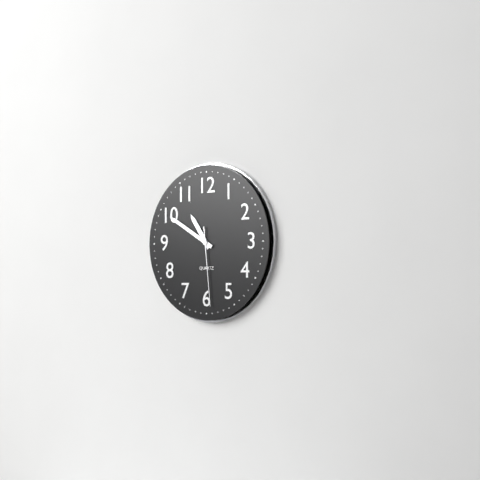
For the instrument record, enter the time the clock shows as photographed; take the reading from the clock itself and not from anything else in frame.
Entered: 10:50:29
